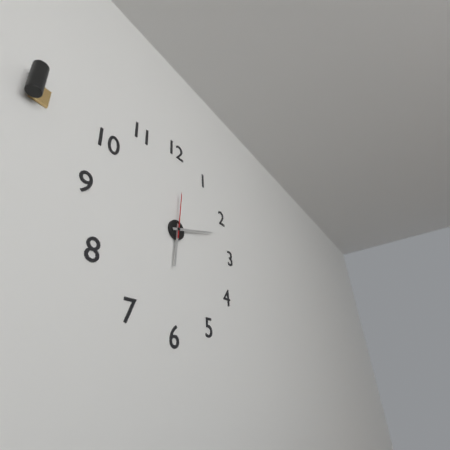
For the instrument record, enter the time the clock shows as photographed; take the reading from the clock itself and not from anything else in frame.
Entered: 6:12
